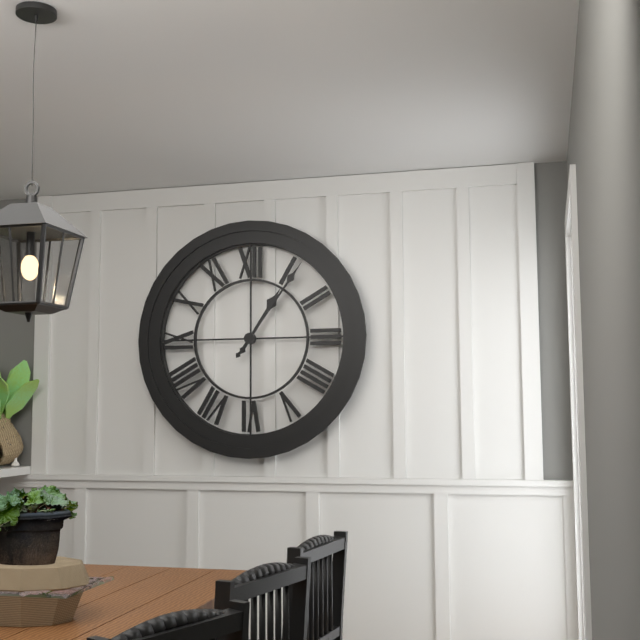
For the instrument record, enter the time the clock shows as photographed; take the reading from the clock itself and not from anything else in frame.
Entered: 1:06
